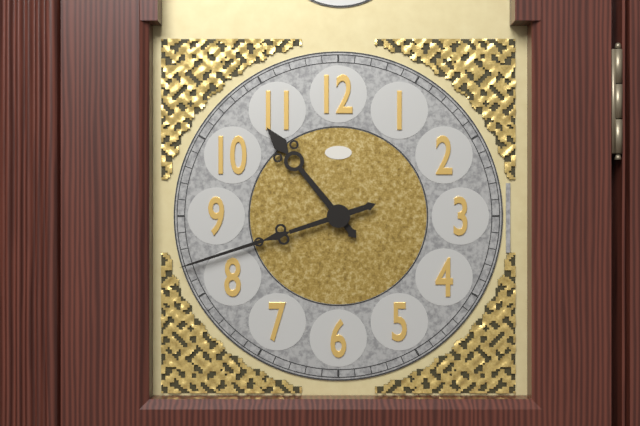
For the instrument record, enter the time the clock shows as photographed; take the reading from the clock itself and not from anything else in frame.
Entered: 10:42
